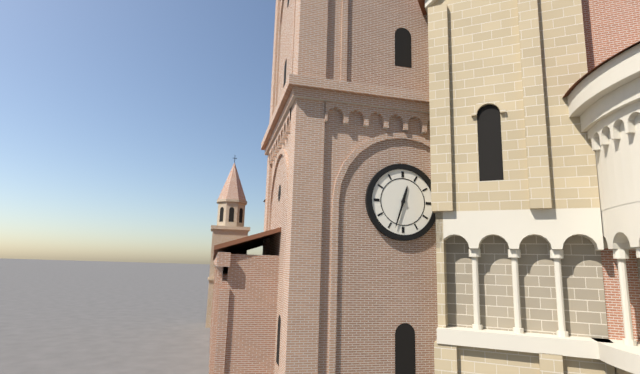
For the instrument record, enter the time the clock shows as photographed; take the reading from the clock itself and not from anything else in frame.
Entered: 12:33
